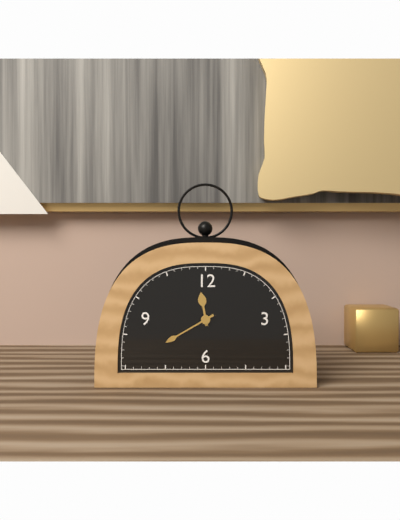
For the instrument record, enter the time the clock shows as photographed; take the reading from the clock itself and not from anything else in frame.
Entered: 11:40
